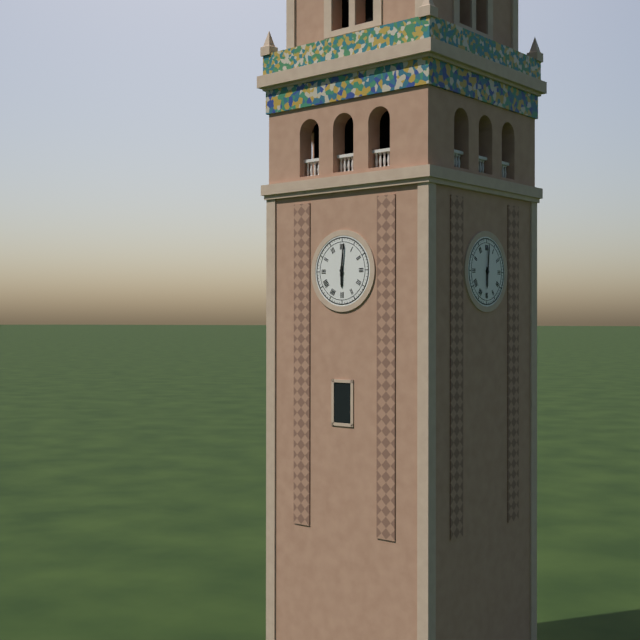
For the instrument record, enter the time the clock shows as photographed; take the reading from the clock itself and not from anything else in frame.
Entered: 6:01
